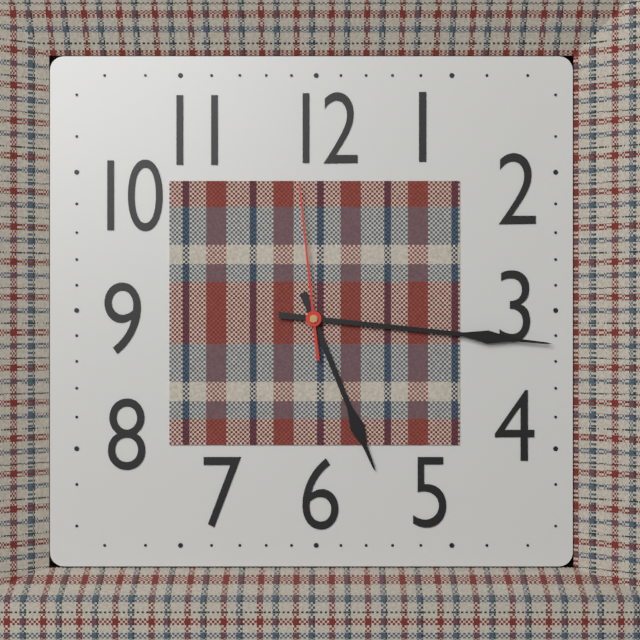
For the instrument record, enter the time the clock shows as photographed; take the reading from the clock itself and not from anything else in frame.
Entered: 5:16:59
